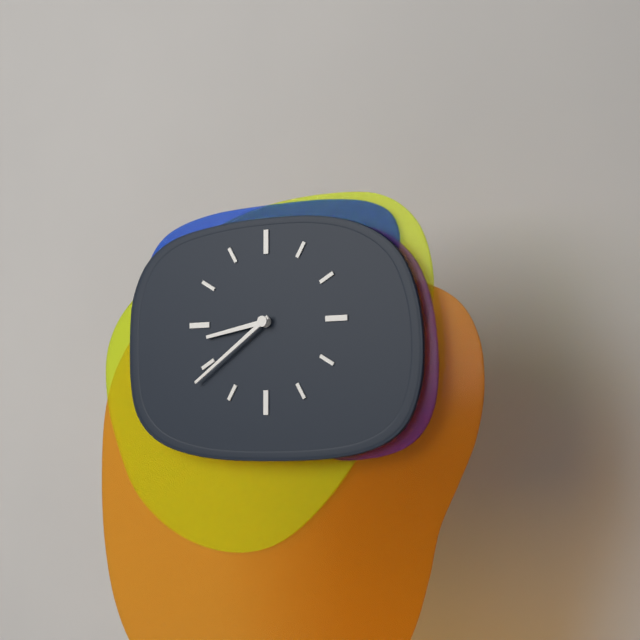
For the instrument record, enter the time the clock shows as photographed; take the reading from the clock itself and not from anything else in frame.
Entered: 8:39
